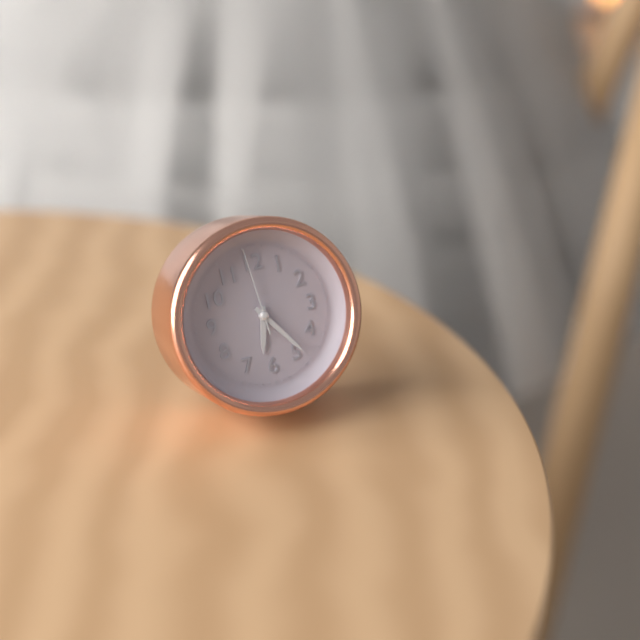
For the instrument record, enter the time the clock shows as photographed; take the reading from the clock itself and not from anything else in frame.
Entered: 6:24:59
